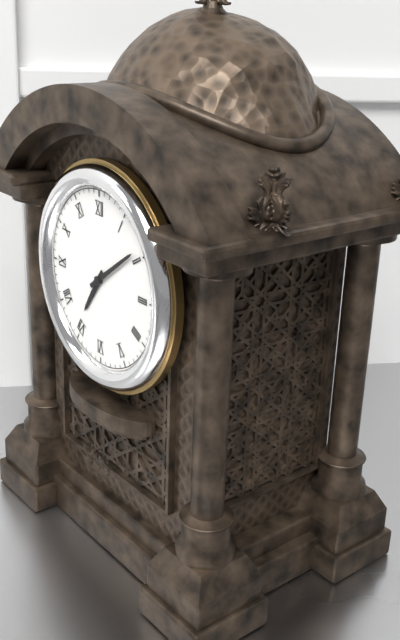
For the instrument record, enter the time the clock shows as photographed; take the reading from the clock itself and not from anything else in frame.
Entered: 7:09
